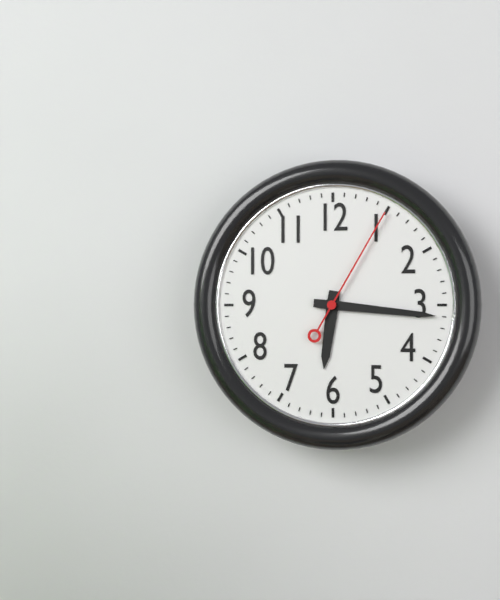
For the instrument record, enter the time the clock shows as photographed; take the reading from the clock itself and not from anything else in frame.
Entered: 6:16:05
